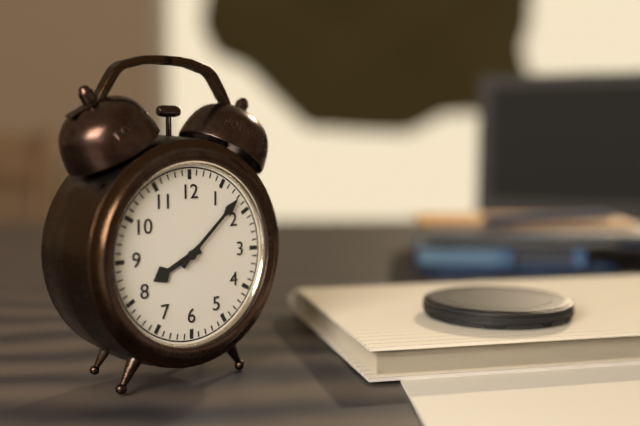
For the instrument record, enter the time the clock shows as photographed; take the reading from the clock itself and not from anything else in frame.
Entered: 8:08
